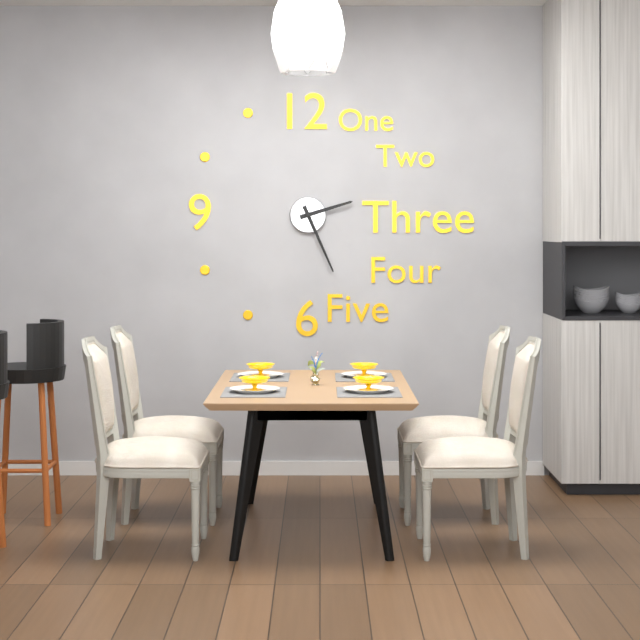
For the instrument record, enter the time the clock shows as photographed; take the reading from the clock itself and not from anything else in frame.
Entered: 2:26
